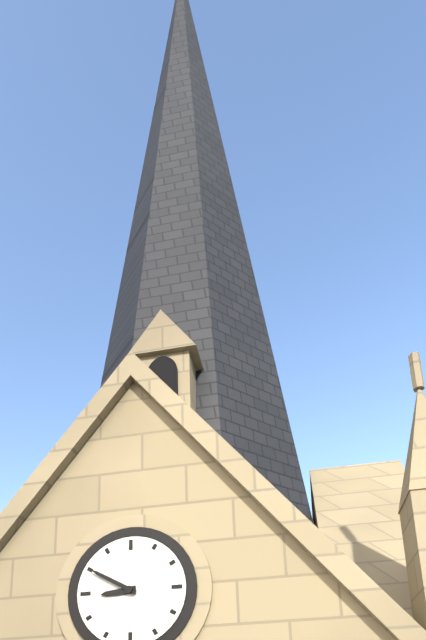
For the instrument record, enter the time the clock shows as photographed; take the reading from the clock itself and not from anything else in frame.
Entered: 8:50
